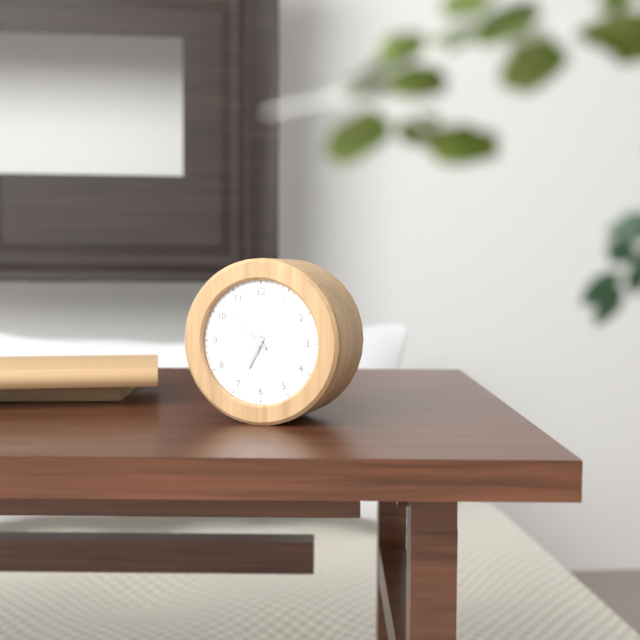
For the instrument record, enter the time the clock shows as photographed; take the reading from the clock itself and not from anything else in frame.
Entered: 6:52:02
